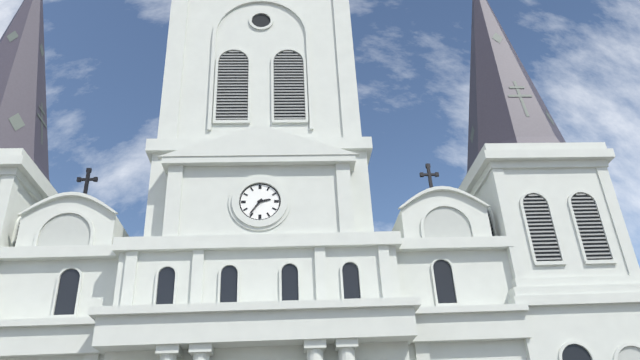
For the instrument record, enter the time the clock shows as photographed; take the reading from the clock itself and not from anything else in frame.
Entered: 2:36
